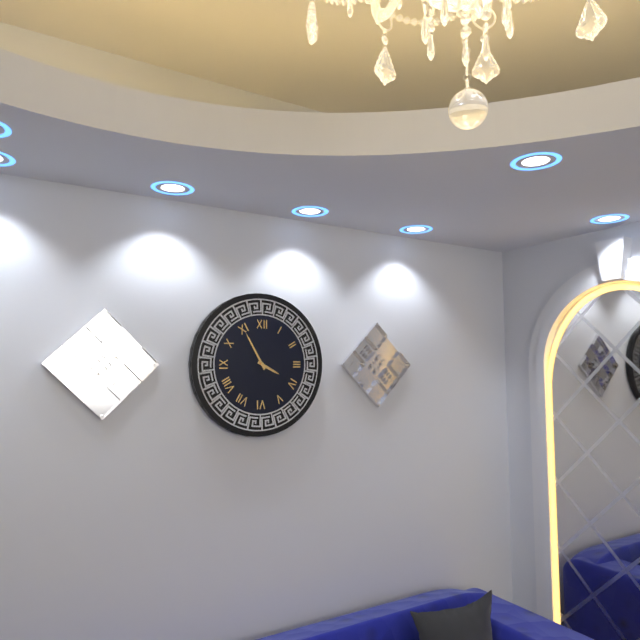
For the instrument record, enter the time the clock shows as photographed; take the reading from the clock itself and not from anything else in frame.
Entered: 3:55
